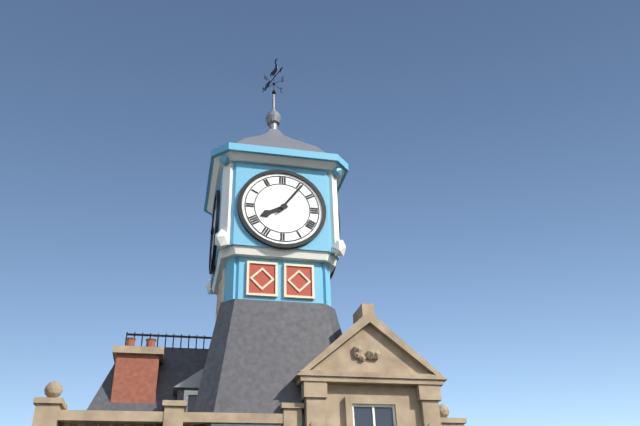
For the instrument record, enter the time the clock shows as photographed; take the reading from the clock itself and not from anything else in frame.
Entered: 8:06
